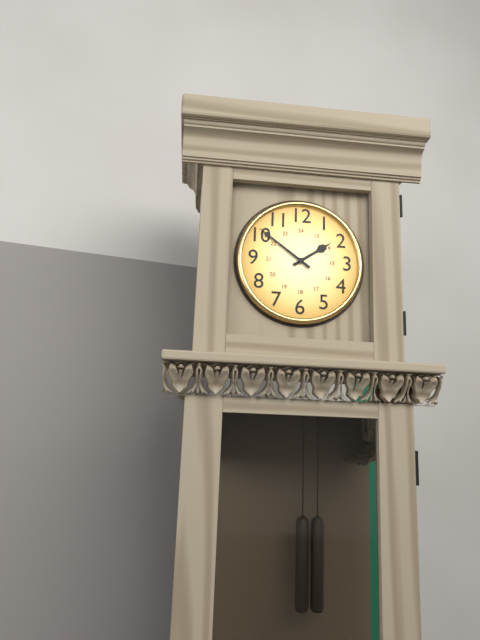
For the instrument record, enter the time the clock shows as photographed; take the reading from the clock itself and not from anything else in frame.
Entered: 1:51
